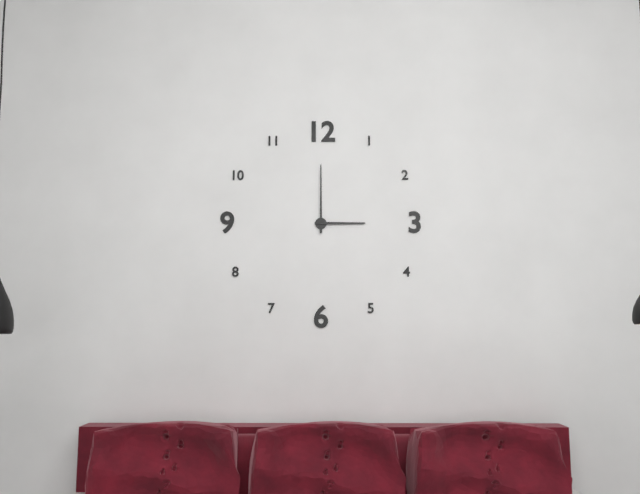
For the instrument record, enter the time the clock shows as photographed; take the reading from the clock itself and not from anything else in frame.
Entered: 3:00
